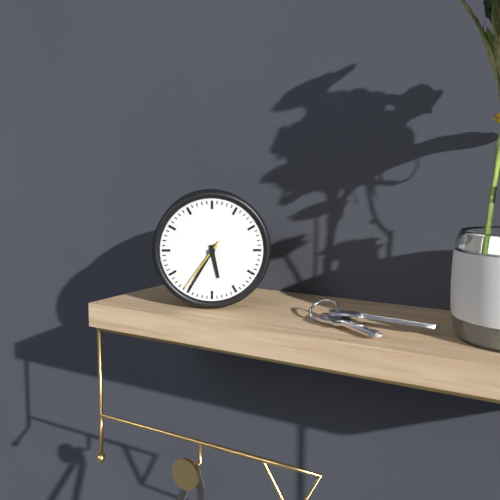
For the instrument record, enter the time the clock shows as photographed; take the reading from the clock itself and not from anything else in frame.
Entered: 5:35:36
